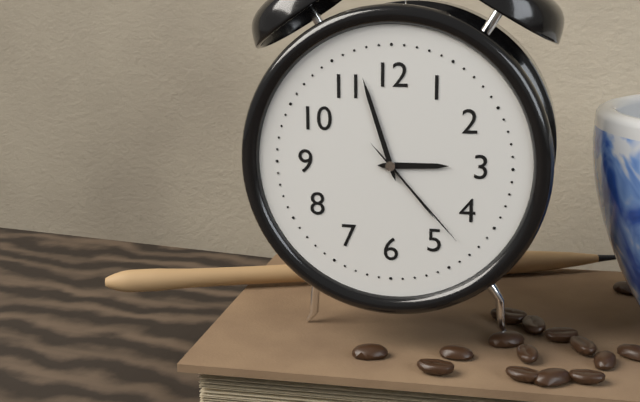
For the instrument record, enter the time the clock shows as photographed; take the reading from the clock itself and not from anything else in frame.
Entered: 2:57:23
